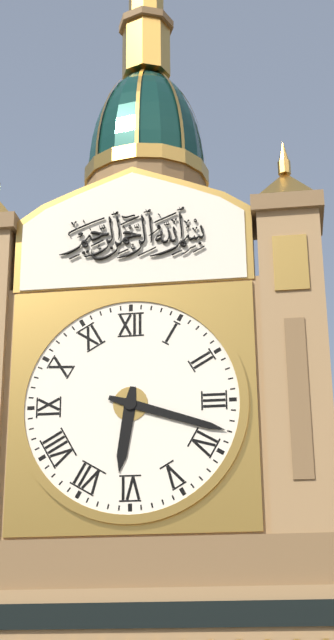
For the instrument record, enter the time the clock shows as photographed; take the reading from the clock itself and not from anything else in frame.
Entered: 6:18
